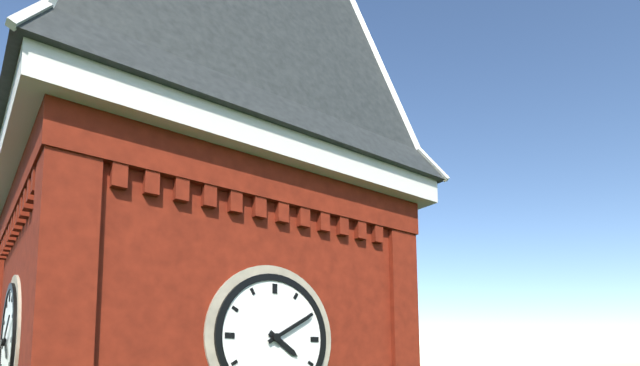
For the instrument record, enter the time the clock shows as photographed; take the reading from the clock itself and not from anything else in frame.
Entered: 4:10
